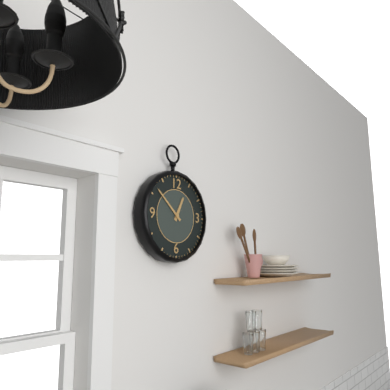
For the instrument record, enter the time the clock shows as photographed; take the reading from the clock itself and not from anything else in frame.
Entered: 12:52
